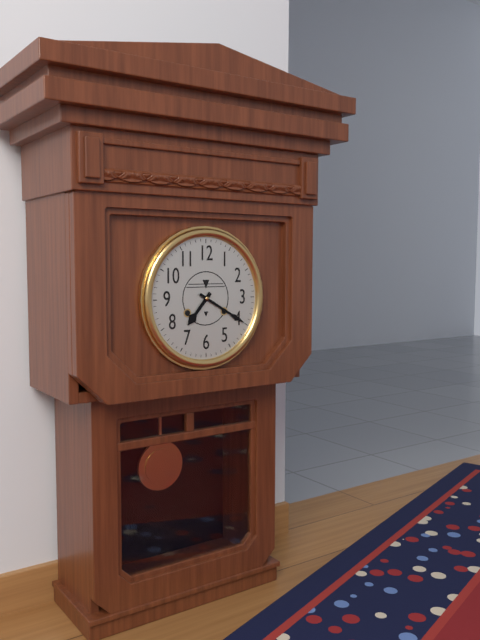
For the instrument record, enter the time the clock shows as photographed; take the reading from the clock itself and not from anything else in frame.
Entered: 7:20
